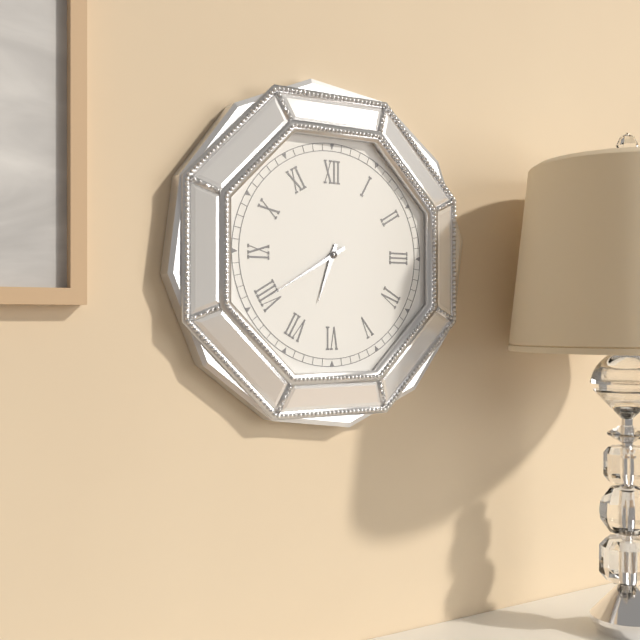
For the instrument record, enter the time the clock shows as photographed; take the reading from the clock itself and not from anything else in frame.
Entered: 6:40
